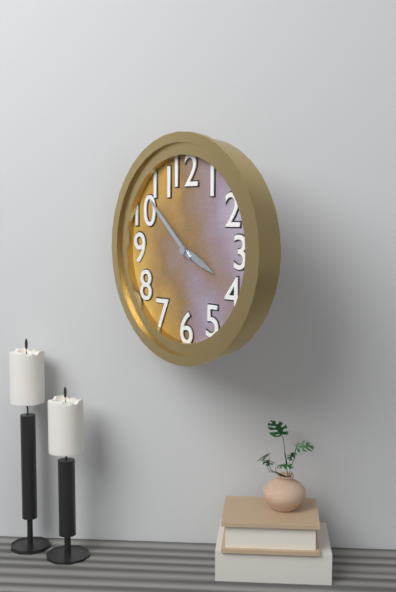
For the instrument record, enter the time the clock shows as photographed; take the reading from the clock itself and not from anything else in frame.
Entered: 3:52
